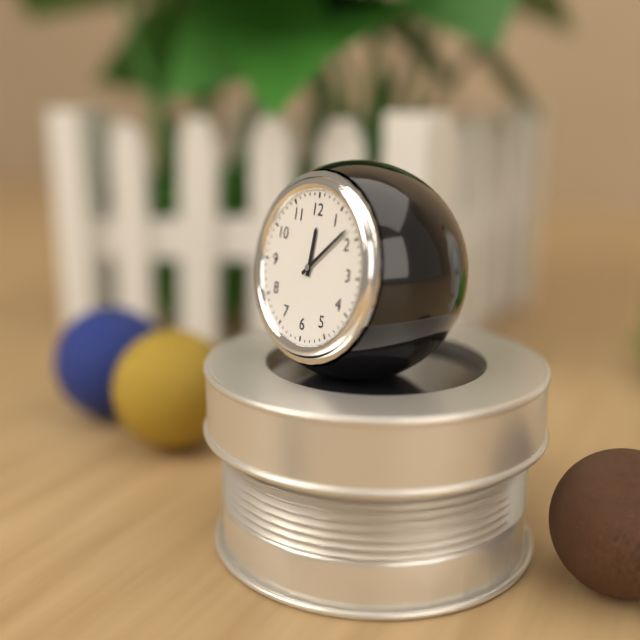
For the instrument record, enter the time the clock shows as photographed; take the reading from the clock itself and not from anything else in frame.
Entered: 12:08
